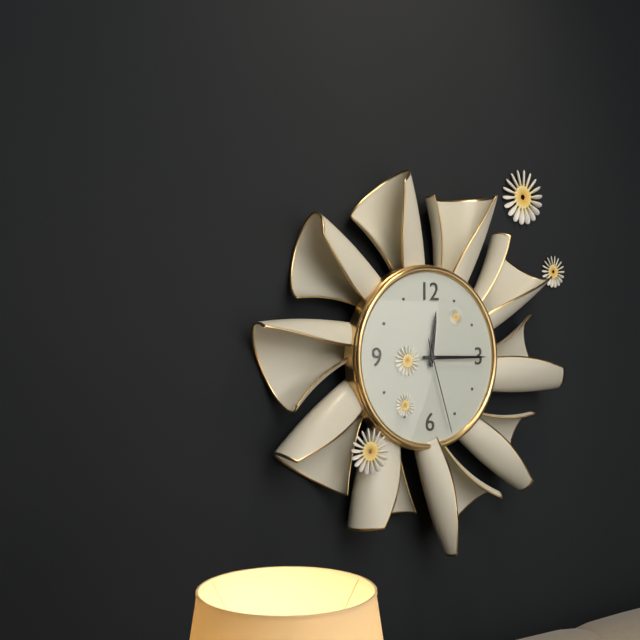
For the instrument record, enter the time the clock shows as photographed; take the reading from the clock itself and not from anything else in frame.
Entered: 12:15:27
